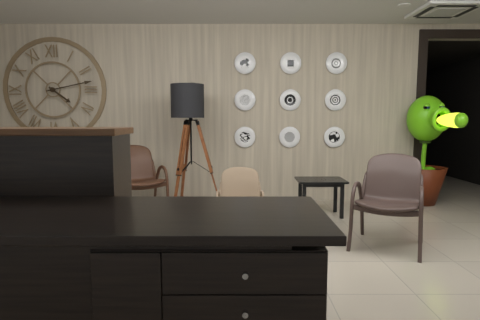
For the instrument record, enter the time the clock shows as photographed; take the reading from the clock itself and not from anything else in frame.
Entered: 4:13
